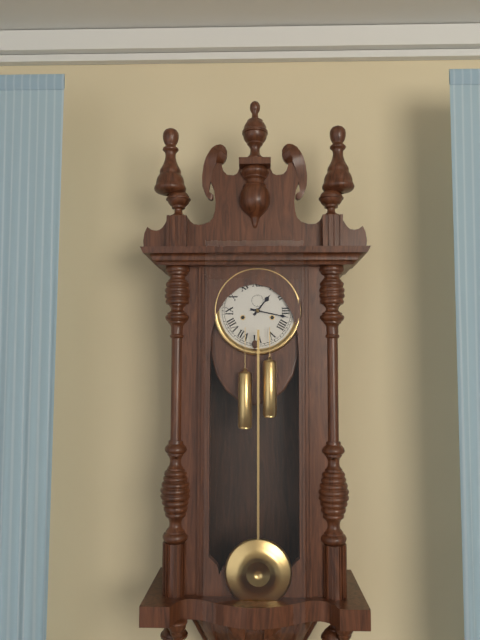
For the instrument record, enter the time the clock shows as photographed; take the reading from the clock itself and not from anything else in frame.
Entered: 1:17
